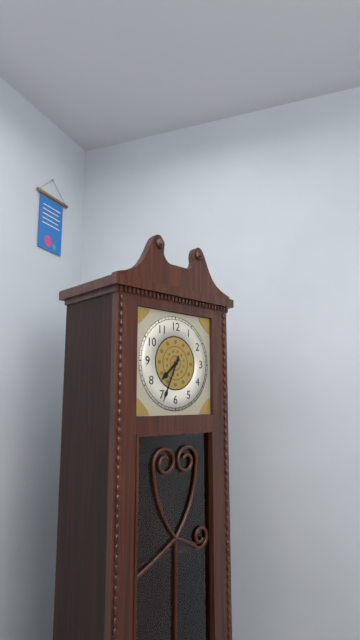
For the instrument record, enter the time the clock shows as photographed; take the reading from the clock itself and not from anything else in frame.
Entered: 7:34
